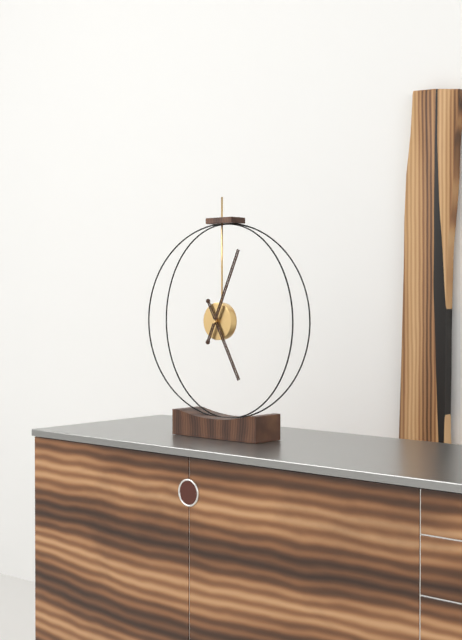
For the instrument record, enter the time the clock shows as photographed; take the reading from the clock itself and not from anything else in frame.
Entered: 5:04
